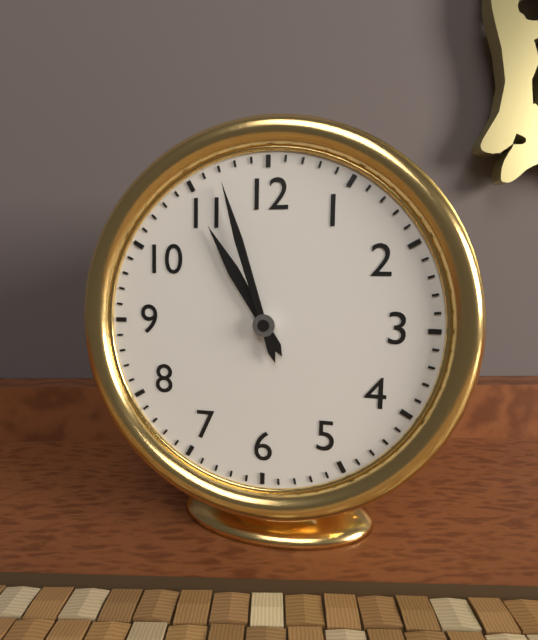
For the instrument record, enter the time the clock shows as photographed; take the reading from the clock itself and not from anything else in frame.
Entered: 10:57
